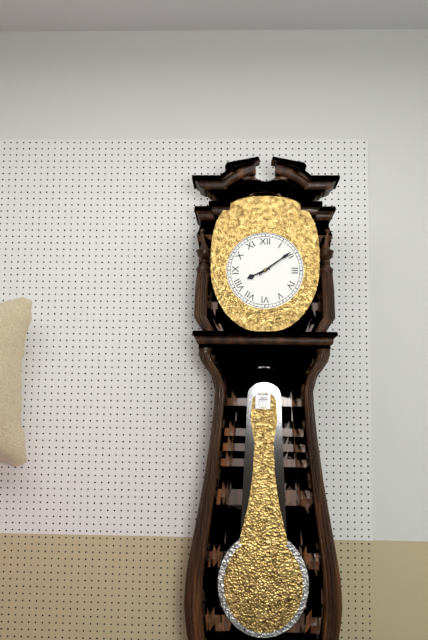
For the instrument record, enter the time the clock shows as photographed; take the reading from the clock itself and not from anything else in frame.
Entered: 8:09
